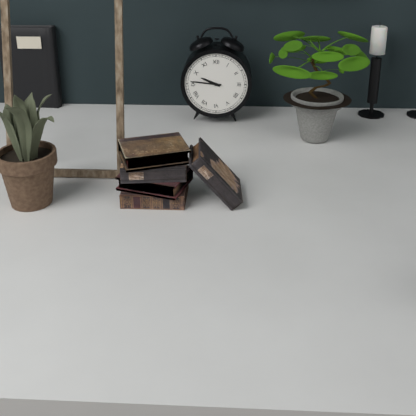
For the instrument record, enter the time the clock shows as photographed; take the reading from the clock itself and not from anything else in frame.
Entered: 9:46
